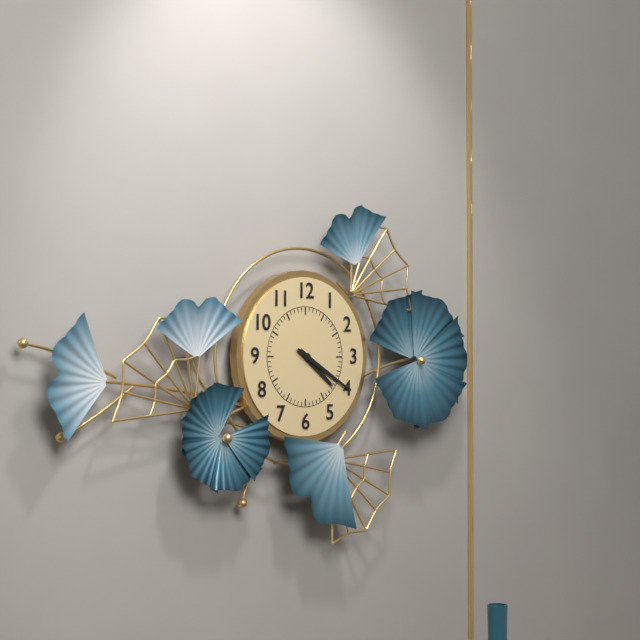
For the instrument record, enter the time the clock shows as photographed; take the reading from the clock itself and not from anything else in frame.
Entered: 4:20
